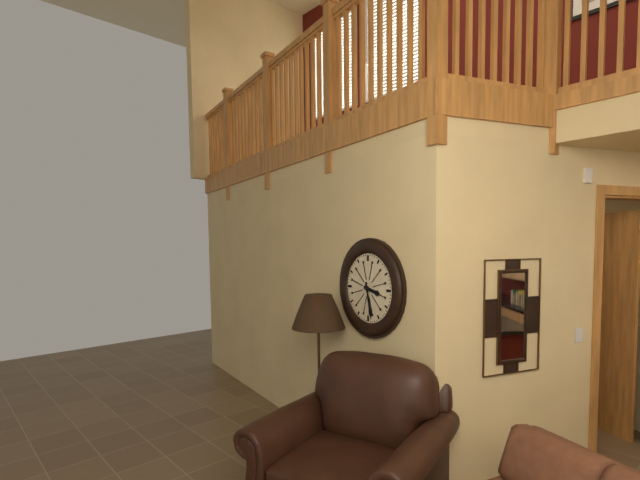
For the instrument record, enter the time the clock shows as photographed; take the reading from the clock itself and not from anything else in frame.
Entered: 3:28
